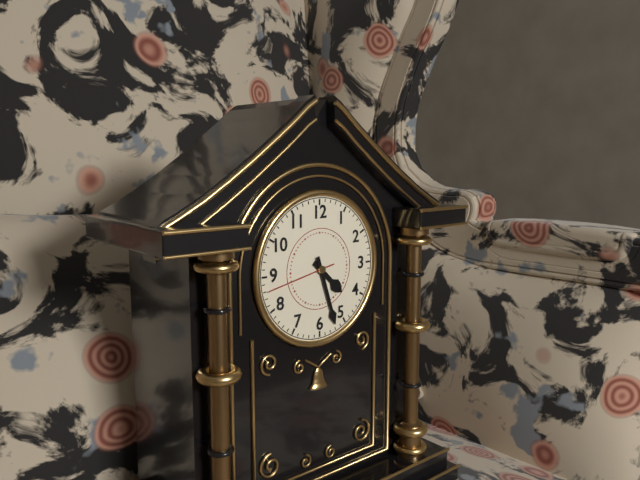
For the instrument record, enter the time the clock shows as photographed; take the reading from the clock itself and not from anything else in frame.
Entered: 4:27:43
